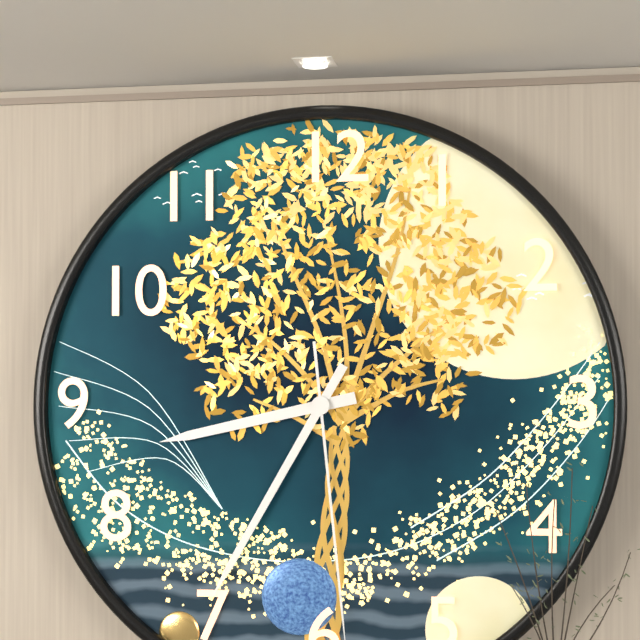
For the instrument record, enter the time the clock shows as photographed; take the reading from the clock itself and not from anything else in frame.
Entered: 8:35
